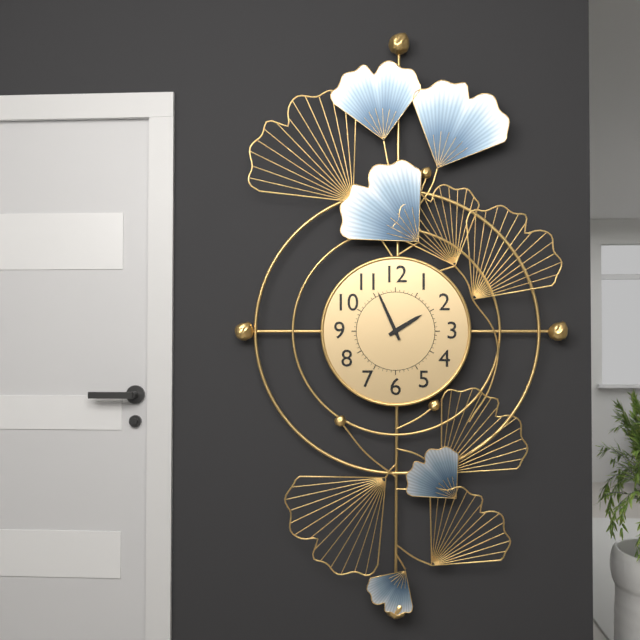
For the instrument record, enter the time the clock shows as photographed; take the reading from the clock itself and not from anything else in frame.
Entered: 1:56
